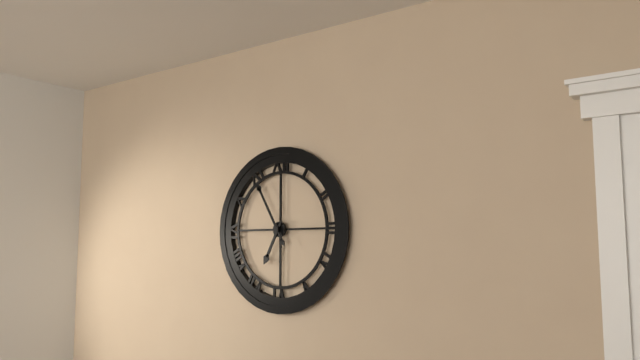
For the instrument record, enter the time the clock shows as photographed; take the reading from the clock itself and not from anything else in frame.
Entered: 6:55
